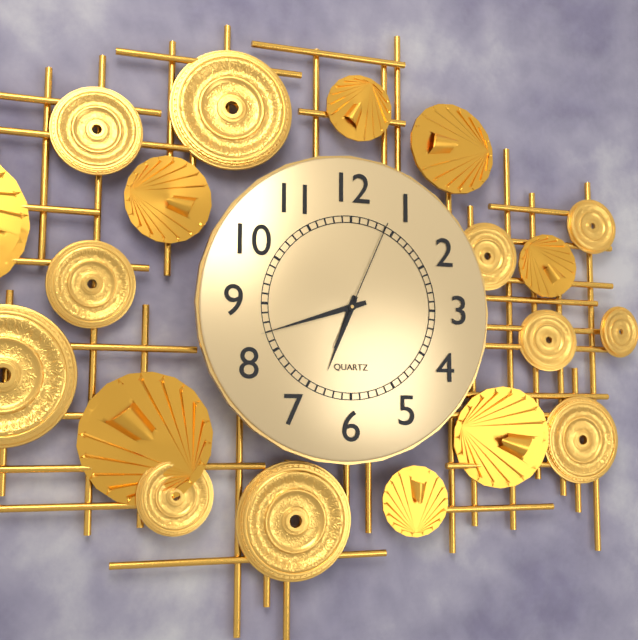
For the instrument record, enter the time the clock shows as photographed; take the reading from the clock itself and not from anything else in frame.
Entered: 6:42:04
